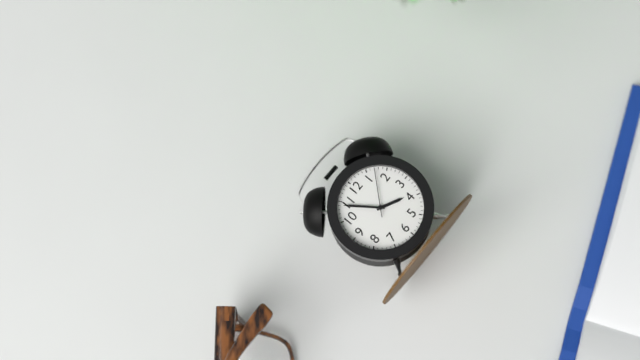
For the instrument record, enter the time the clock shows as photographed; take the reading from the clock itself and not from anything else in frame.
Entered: 3:54
